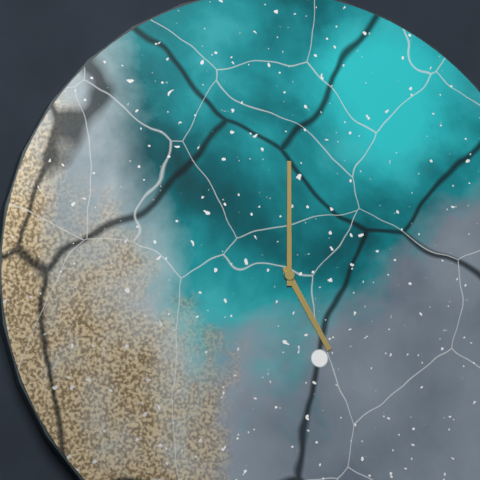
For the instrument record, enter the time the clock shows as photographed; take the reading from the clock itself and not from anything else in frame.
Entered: 5:00
